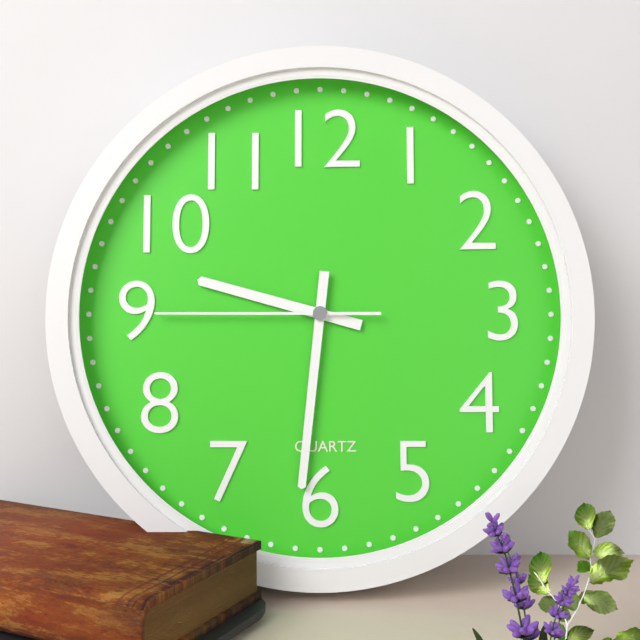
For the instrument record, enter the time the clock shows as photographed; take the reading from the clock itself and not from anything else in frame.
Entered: 9:31:45
